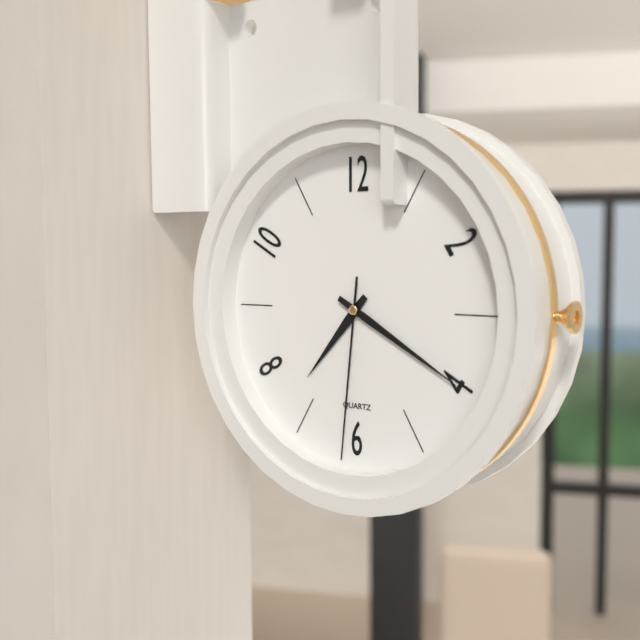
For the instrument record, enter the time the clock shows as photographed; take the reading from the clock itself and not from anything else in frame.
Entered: 7:20:31
